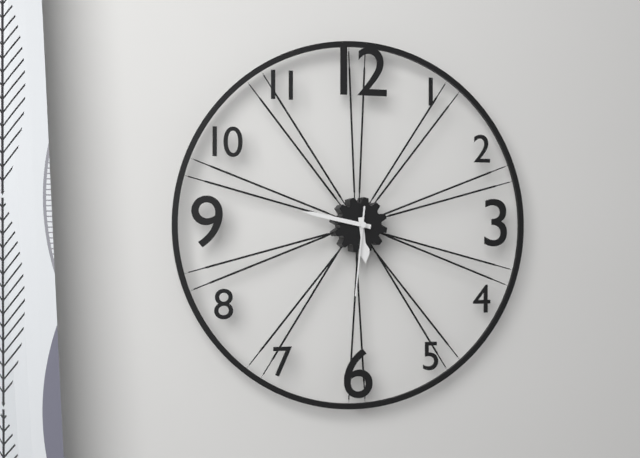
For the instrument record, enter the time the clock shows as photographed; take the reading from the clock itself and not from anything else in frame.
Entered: 5:47:31
